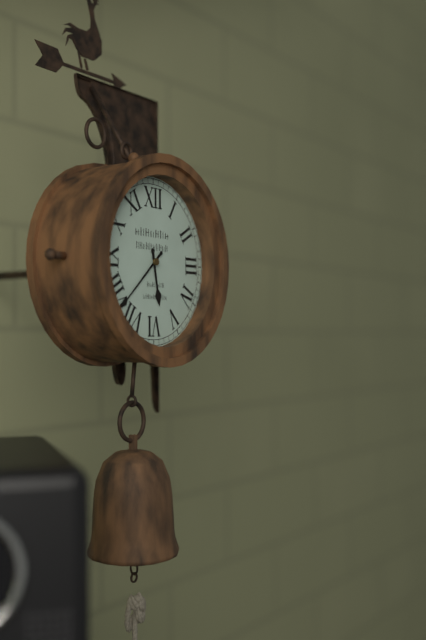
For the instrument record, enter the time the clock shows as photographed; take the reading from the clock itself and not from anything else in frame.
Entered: 5:38
